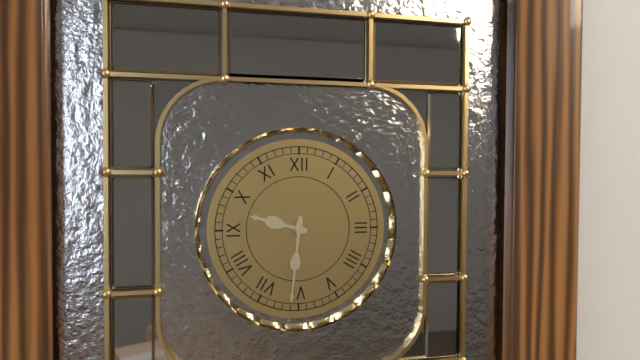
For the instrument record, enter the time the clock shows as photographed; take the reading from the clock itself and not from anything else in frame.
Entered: 9:31
